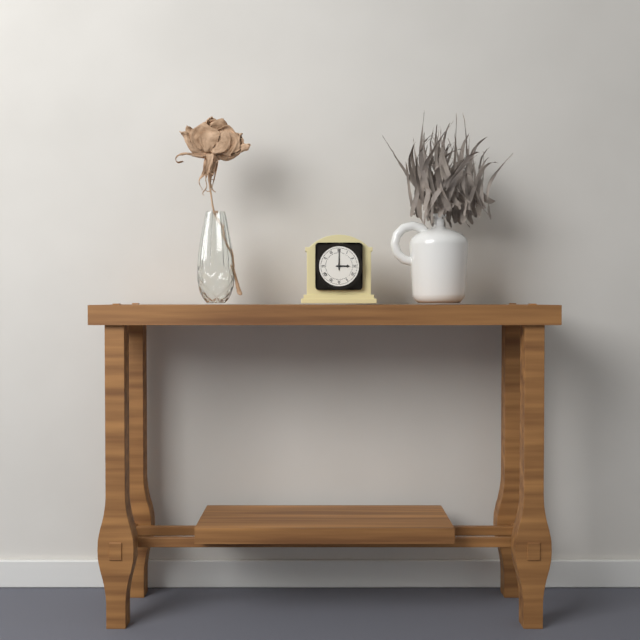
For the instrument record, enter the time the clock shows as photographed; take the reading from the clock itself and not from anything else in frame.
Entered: 3:00
